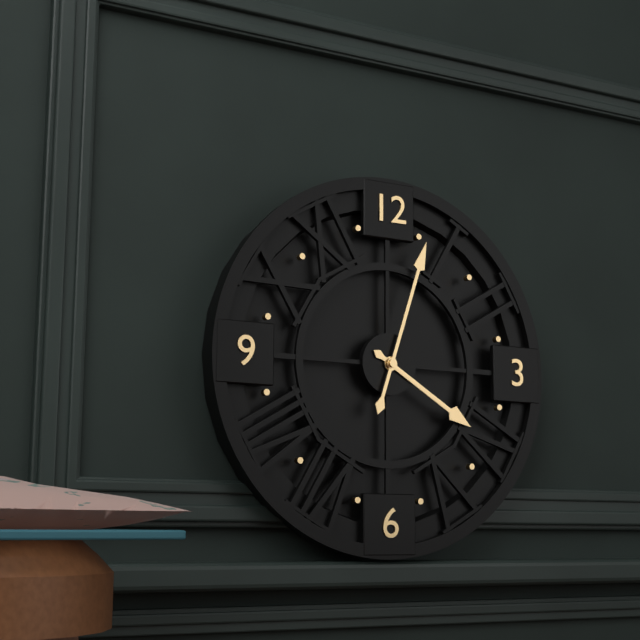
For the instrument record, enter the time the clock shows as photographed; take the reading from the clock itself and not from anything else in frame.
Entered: 4:03
